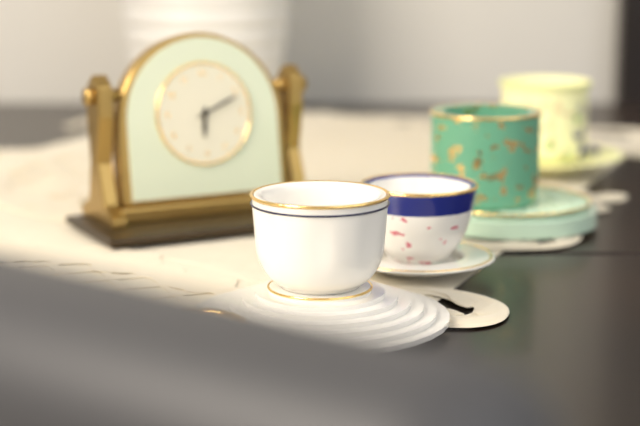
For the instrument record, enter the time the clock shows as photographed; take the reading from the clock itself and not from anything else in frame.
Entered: 6:11
